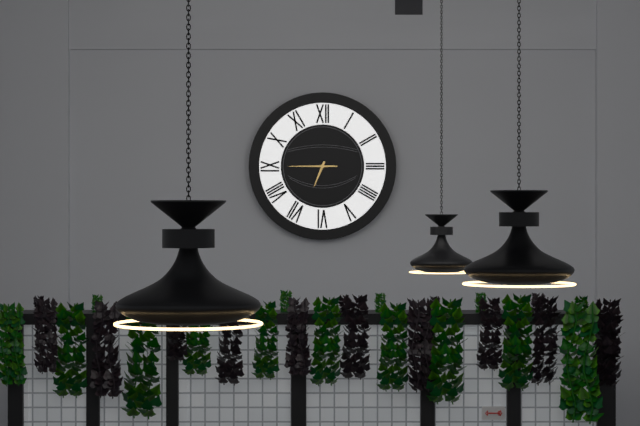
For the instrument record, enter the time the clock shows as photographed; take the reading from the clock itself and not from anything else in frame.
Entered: 6:45
